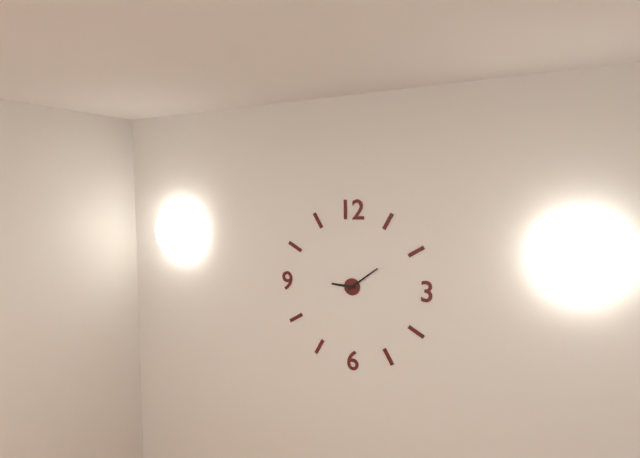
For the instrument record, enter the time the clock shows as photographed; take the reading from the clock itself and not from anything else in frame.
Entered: 9:09
